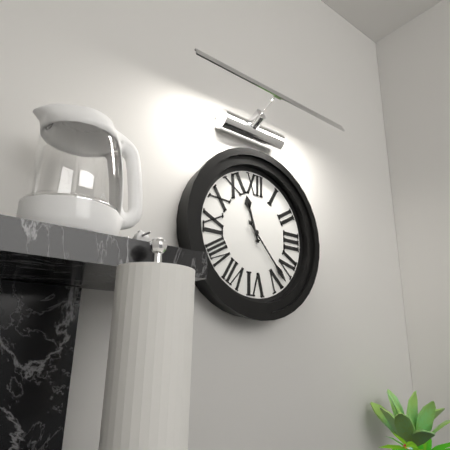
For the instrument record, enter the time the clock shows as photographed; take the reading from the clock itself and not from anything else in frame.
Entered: 11:23
